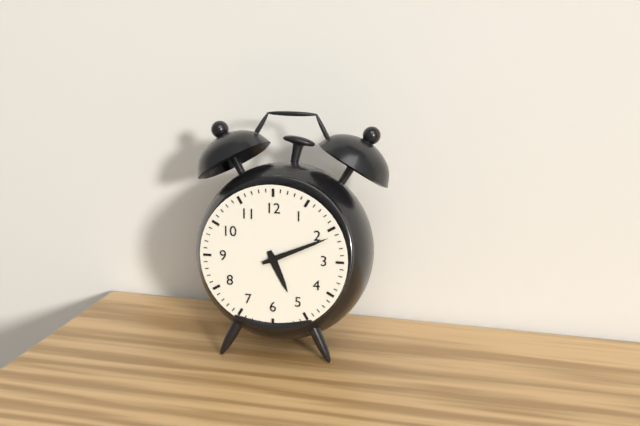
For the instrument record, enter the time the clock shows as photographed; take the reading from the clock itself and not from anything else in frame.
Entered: 5:11
